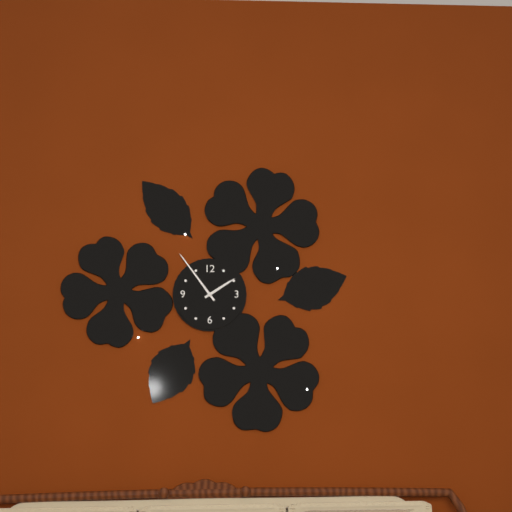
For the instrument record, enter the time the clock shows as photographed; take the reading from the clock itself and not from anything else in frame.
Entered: 1:54
